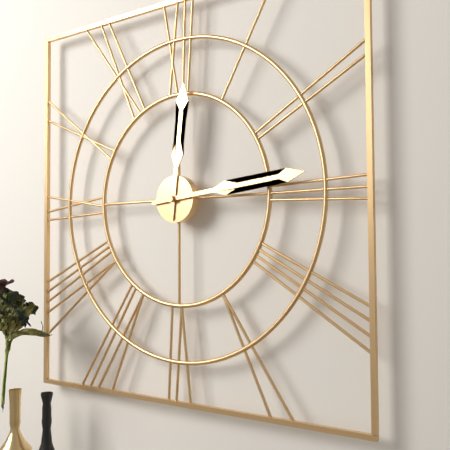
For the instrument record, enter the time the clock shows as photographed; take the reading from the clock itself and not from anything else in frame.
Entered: 12:14
